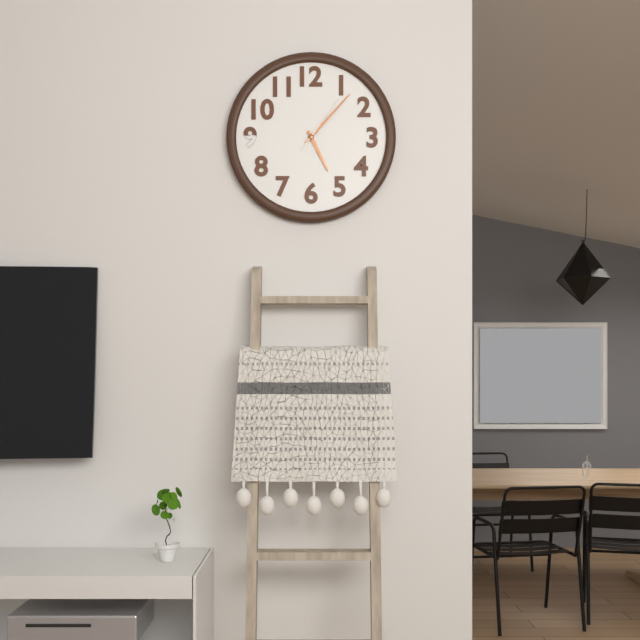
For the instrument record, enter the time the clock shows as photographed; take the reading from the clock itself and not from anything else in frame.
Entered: 5:07:06
